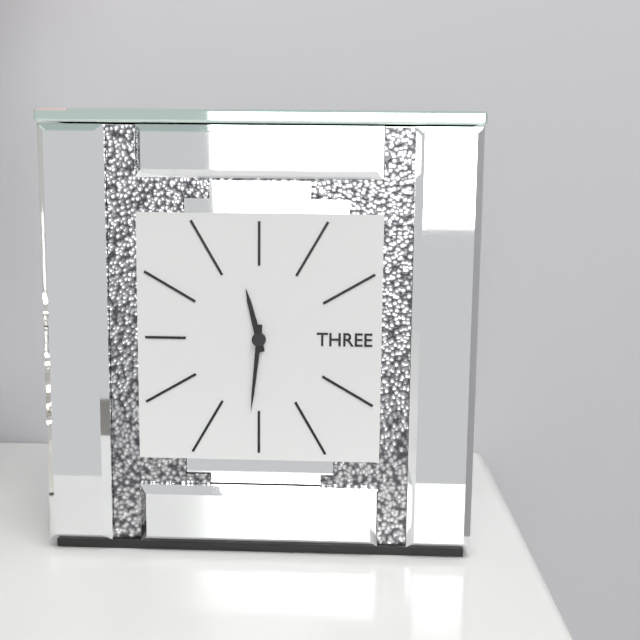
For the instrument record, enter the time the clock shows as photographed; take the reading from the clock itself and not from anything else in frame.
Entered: 11:31
